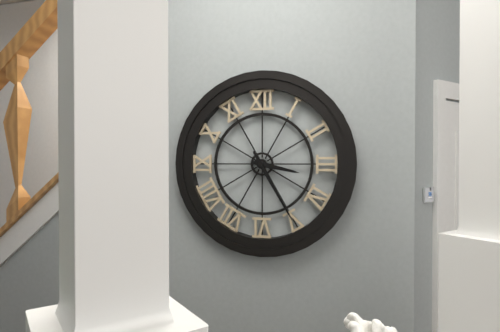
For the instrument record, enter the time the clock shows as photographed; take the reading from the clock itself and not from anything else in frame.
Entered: 3:25
